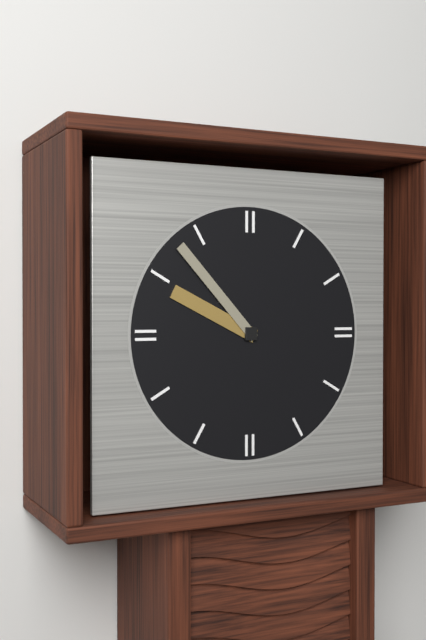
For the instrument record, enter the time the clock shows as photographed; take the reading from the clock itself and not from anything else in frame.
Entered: 9:53
